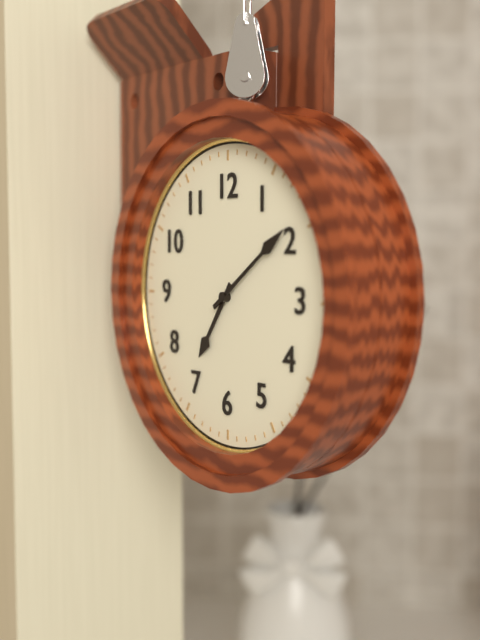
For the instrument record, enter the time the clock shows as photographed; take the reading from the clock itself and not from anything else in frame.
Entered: 7:09
